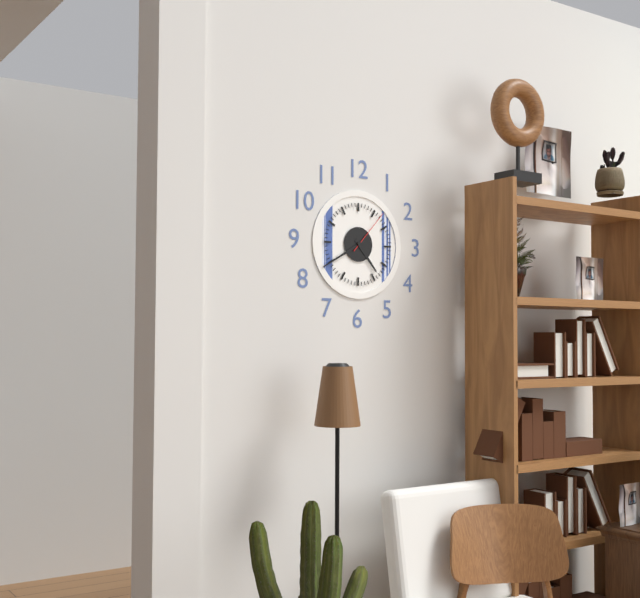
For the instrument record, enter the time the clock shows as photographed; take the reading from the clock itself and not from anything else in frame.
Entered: 4:40
